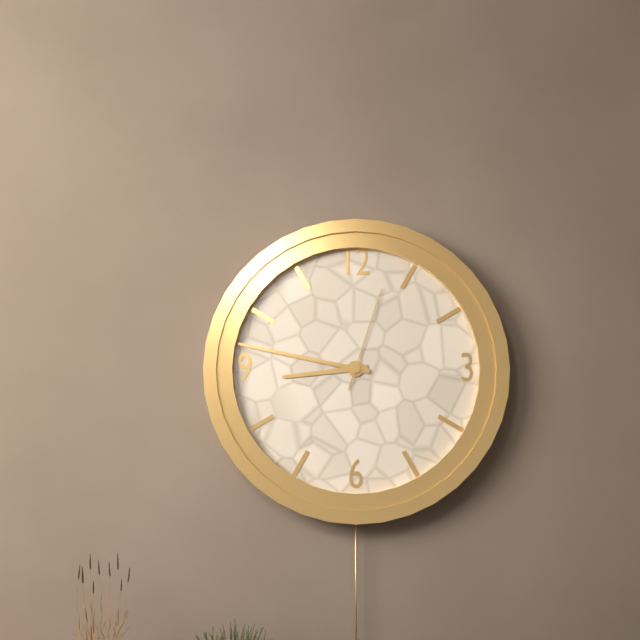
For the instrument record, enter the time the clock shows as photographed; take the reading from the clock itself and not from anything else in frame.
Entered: 8:47:03
